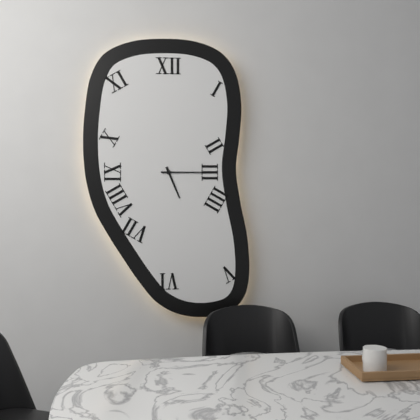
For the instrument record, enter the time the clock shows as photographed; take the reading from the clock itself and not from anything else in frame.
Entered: 5:15
